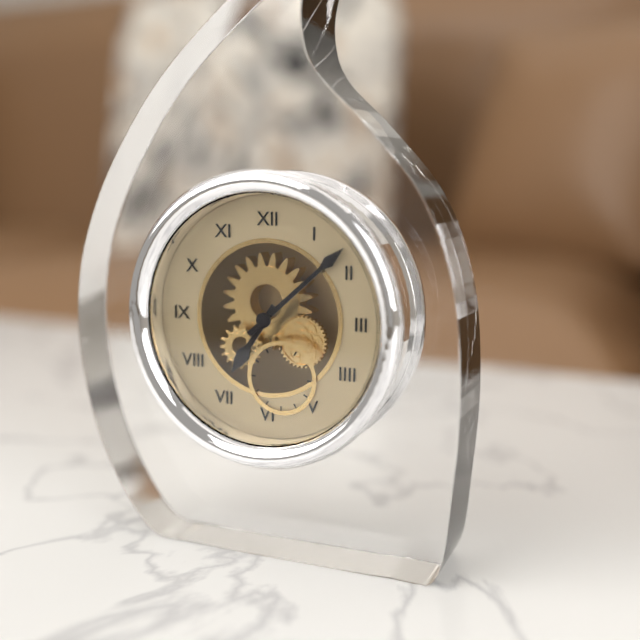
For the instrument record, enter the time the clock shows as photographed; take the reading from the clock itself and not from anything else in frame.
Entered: 7:08
